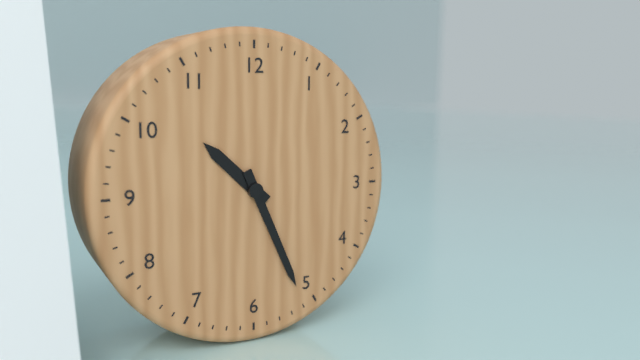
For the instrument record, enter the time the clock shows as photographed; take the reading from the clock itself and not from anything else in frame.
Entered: 10:26
